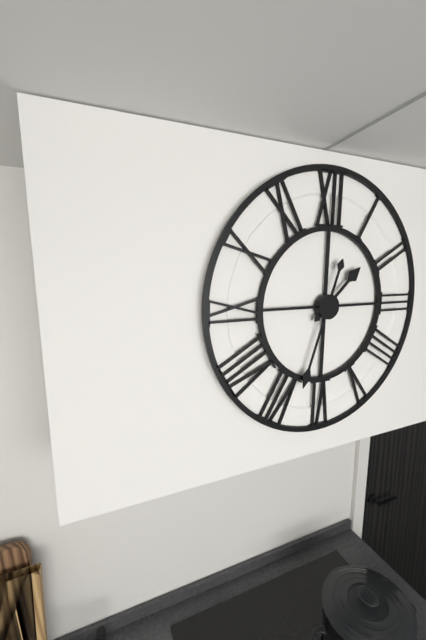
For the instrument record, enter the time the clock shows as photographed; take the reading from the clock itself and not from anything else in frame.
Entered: 1:33
